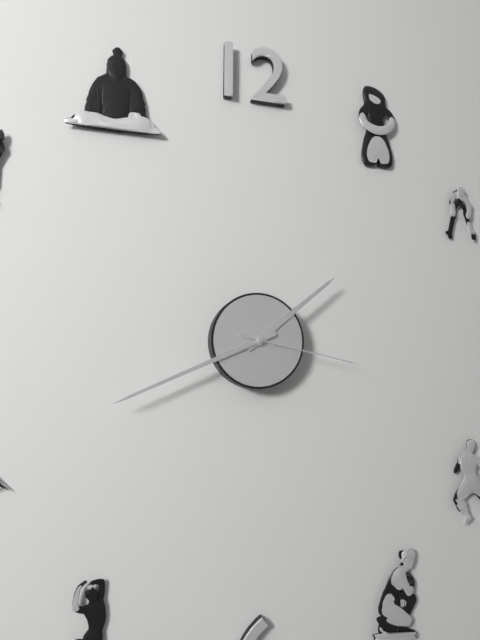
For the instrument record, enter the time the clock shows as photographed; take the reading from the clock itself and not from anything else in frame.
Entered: 1:41:17
